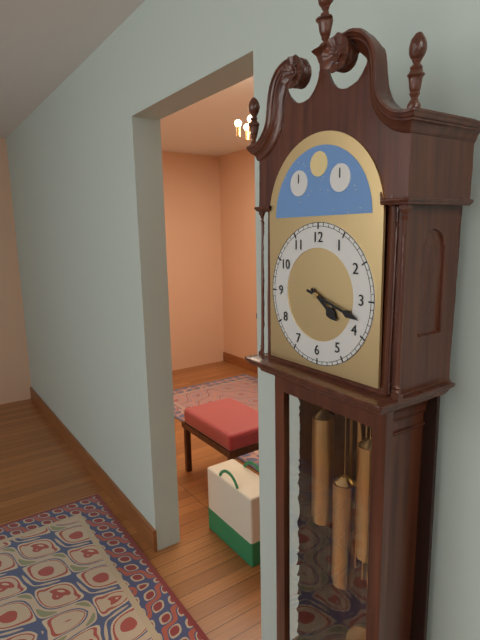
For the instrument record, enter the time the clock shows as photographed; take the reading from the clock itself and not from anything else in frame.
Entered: 4:18
